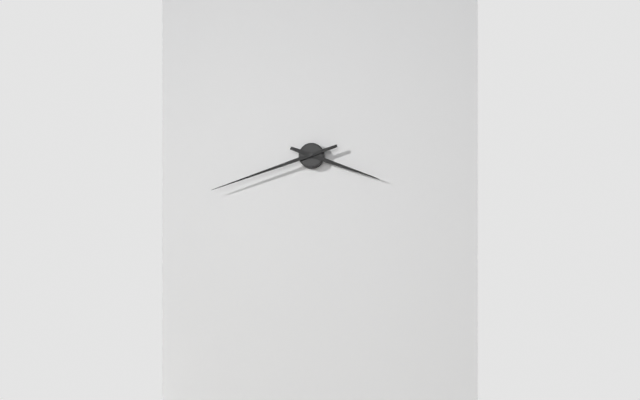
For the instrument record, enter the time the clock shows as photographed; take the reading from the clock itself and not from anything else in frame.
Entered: 3:42
